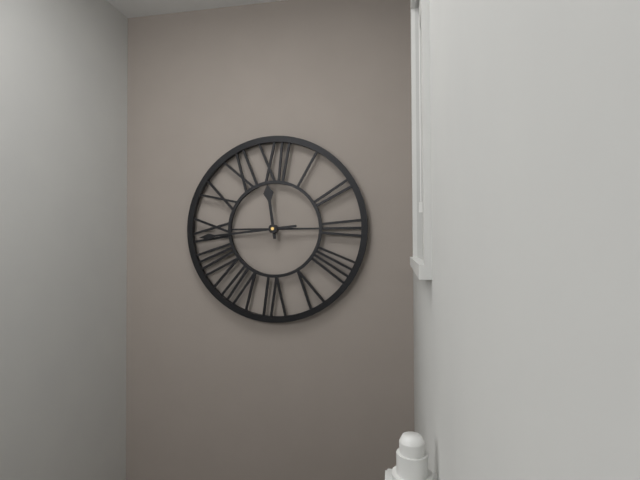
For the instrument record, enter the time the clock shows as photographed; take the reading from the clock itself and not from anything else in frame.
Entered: 11:44
